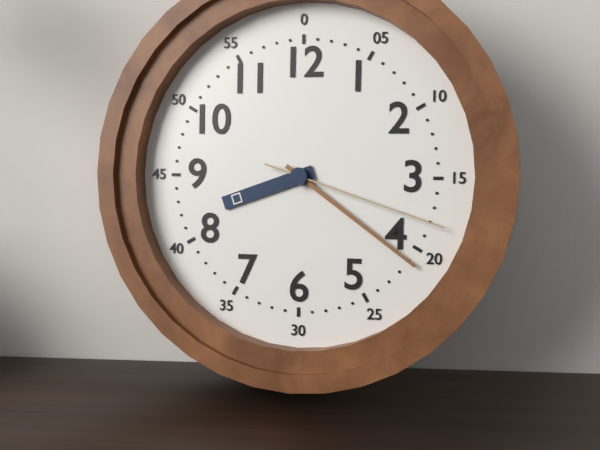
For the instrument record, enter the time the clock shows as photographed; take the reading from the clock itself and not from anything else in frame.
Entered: 8:21:18
